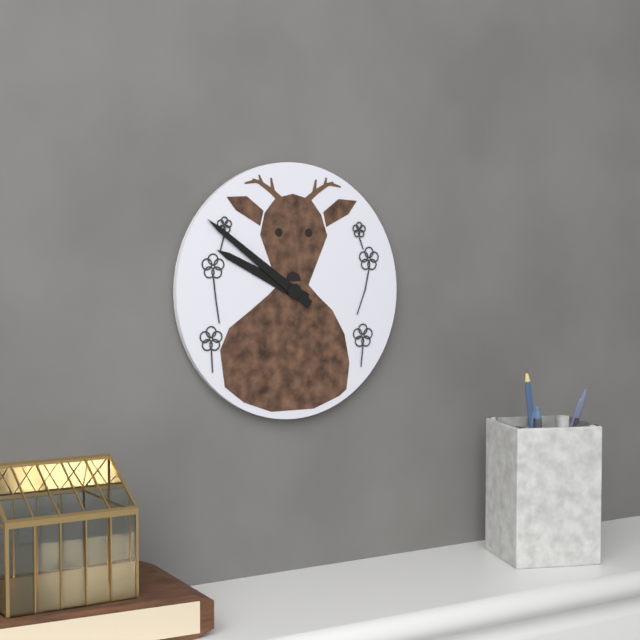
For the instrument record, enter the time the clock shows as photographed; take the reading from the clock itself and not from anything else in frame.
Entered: 9:51
